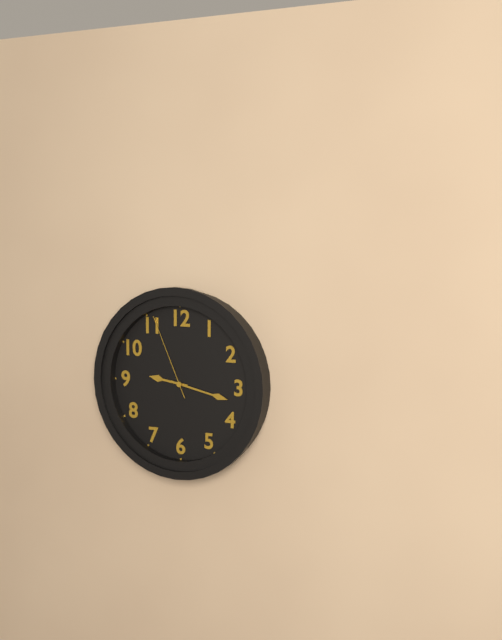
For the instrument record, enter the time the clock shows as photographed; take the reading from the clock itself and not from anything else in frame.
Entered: 9:17:56
